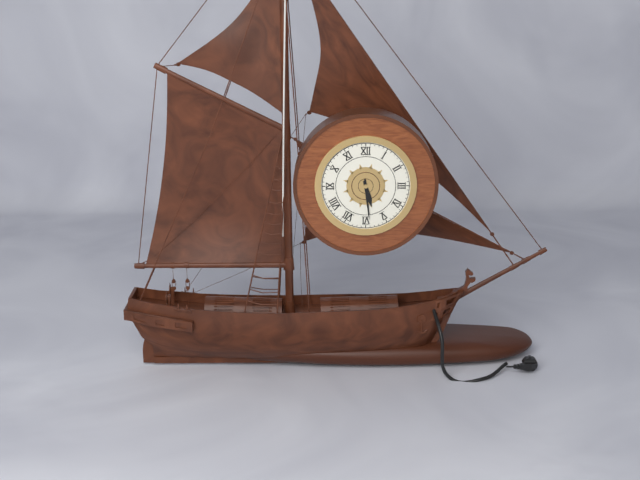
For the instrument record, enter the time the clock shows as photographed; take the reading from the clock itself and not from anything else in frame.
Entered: 5:29
